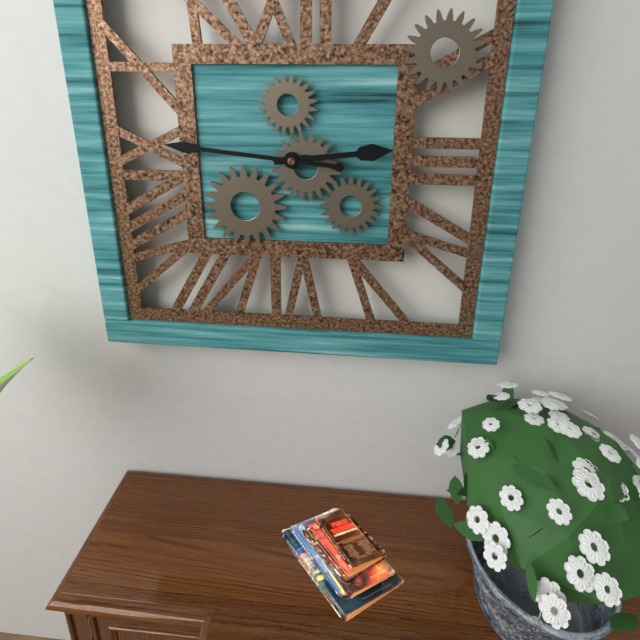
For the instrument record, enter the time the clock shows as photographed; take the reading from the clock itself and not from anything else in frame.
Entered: 2:46
